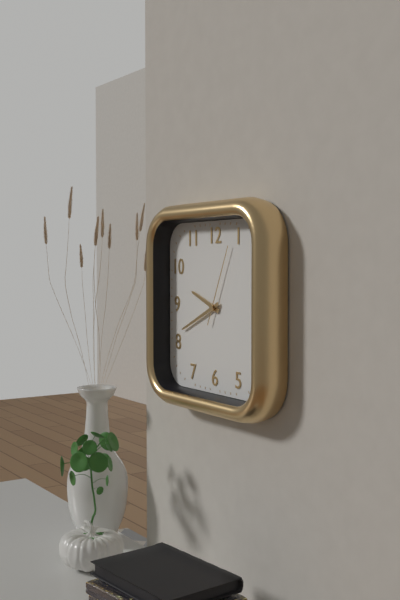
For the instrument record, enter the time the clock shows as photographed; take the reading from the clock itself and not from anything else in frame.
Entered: 9:41:04
